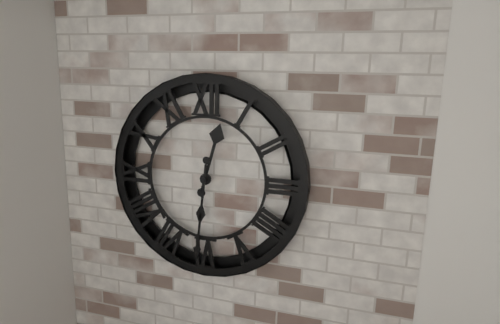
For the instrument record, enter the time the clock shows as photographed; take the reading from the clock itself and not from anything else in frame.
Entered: 12:31
